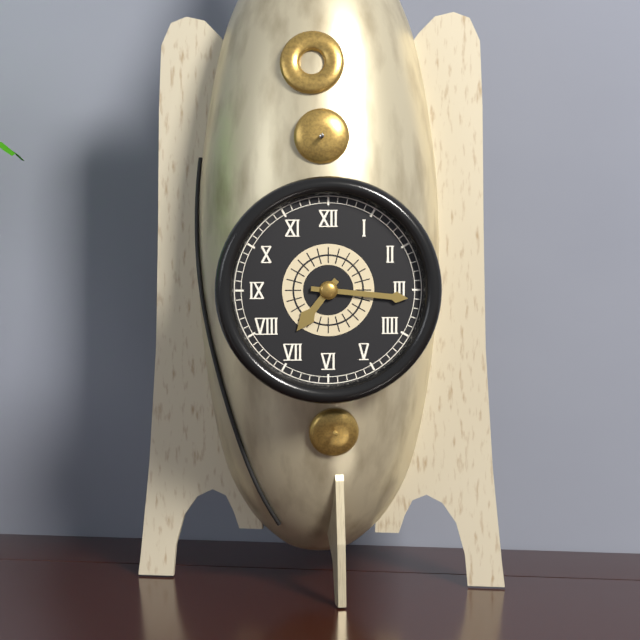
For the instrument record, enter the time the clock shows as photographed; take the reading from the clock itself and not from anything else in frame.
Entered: 7:16
